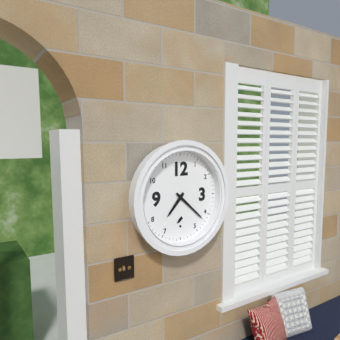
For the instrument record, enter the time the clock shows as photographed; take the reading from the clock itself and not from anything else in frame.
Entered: 7:22
